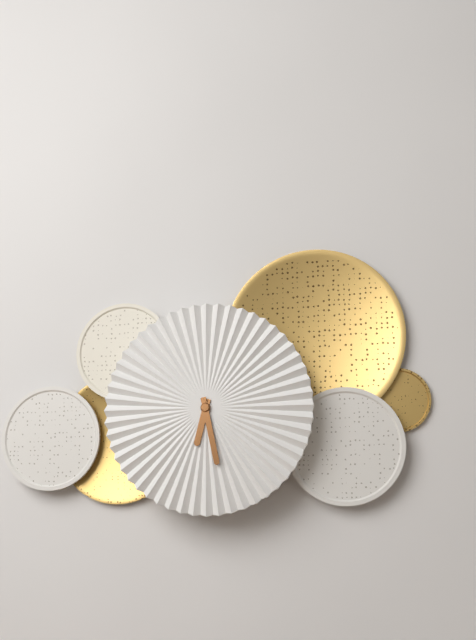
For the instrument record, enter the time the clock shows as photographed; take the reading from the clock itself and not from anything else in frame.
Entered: 6:28
